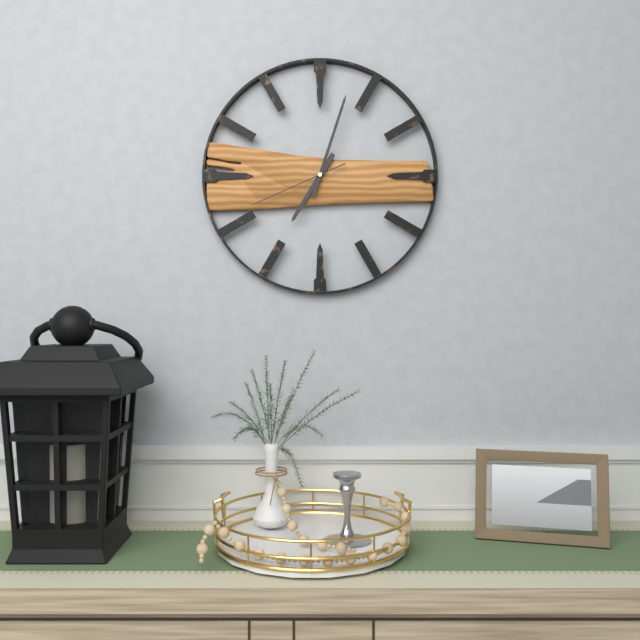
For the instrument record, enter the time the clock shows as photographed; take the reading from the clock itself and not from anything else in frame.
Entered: 7:03:41
